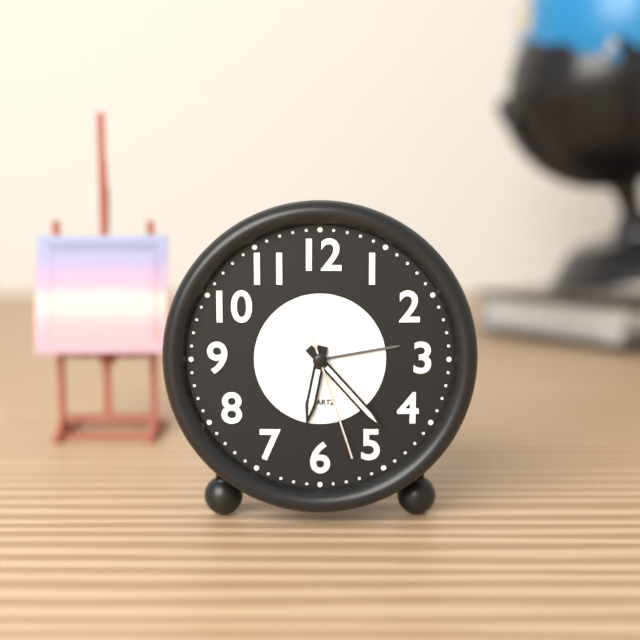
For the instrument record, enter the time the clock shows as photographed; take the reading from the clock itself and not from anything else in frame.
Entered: 6:23:27
